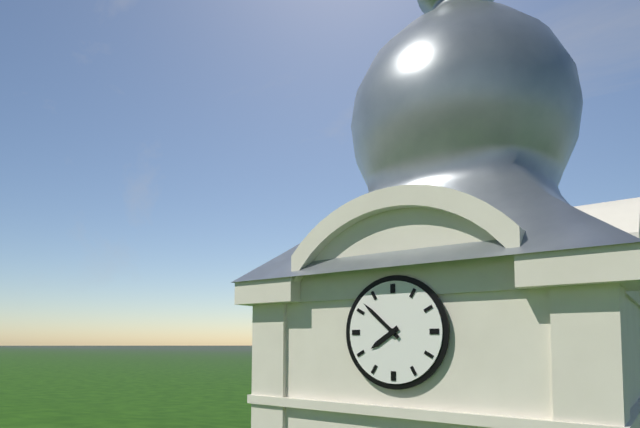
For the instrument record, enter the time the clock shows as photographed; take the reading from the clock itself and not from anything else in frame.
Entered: 7:52
